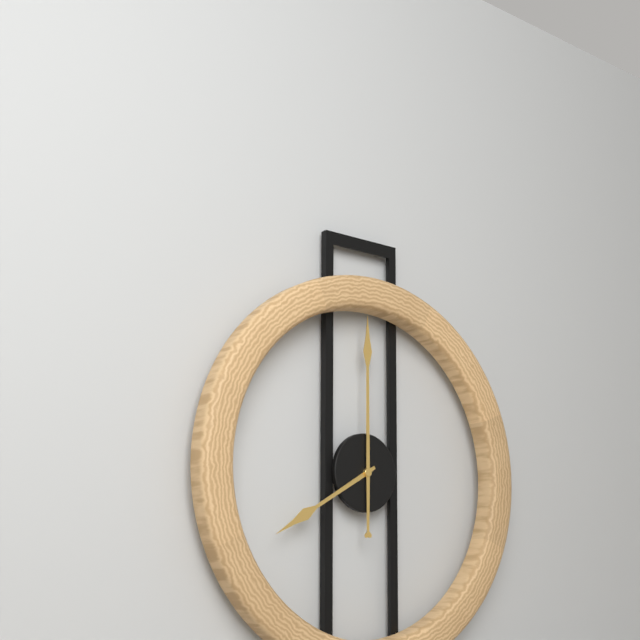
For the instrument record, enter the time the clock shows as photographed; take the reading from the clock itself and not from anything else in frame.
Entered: 8:00
